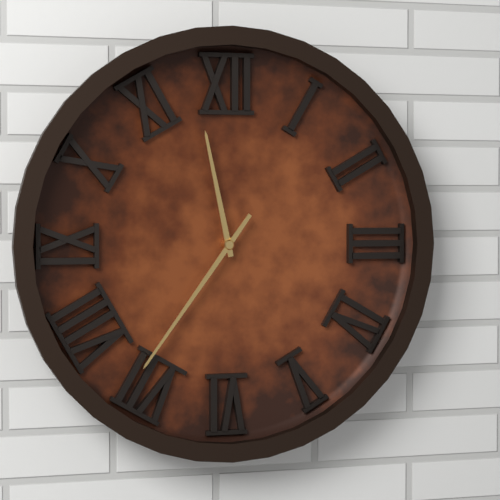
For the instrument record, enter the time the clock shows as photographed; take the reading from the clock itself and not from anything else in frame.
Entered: 11:36
